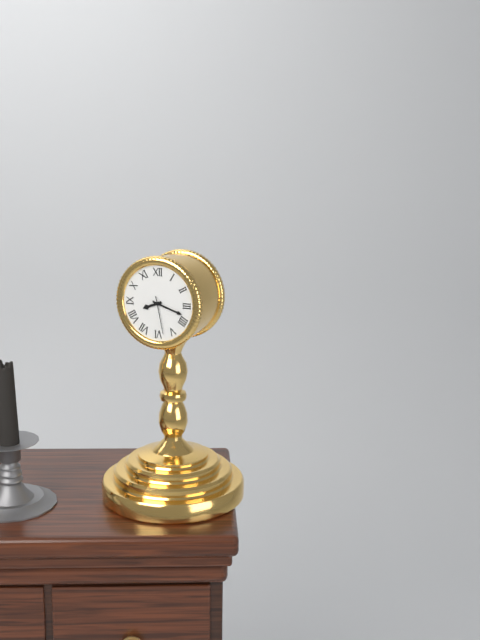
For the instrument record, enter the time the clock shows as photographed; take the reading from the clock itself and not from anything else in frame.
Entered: 8:18
